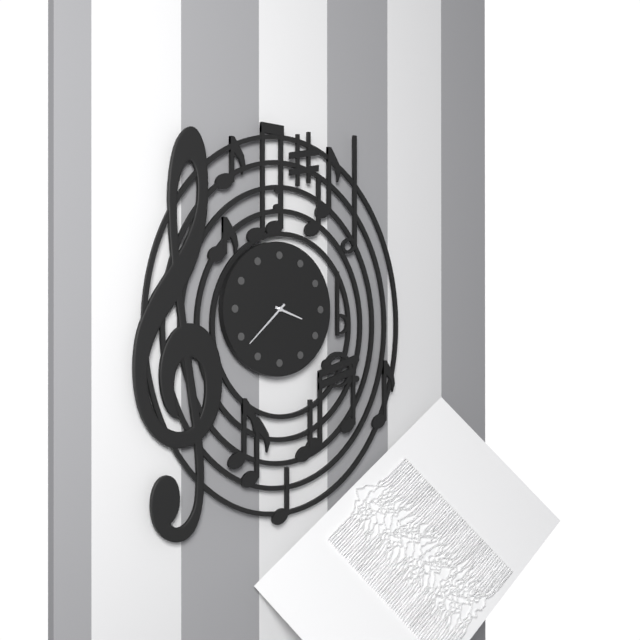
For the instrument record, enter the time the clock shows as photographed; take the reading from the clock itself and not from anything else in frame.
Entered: 3:38
